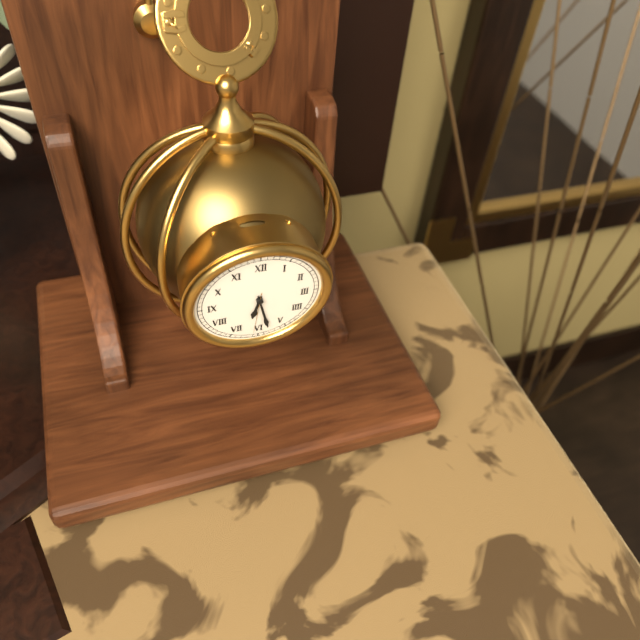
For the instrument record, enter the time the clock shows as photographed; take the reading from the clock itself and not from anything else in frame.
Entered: 6:28
